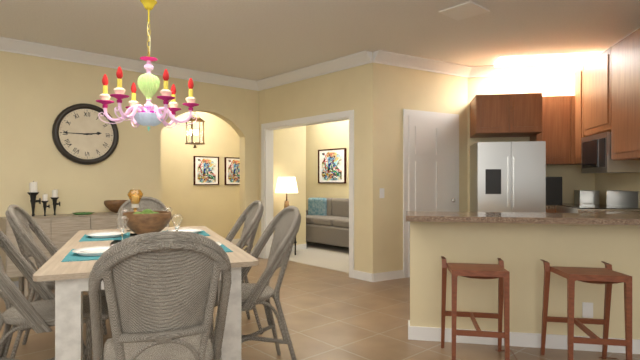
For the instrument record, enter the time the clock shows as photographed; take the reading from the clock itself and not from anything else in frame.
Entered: 2:45
